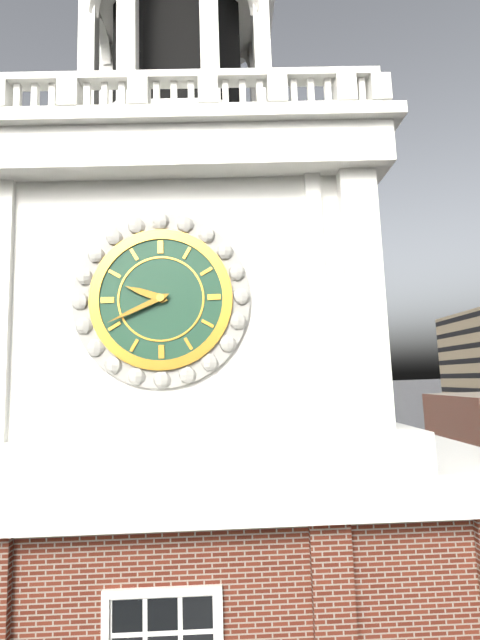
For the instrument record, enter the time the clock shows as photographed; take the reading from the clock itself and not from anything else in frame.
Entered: 9:41
